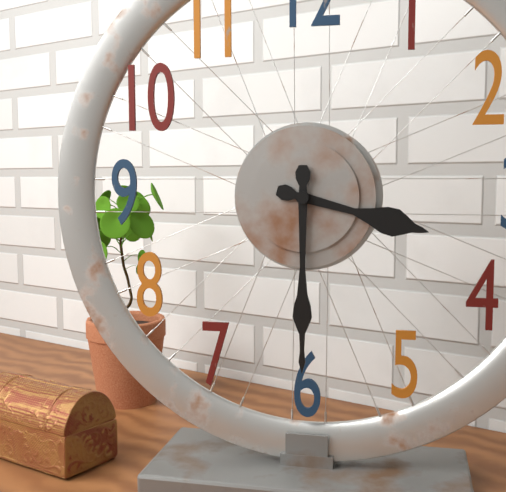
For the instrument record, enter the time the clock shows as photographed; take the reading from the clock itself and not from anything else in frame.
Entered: 3:30
